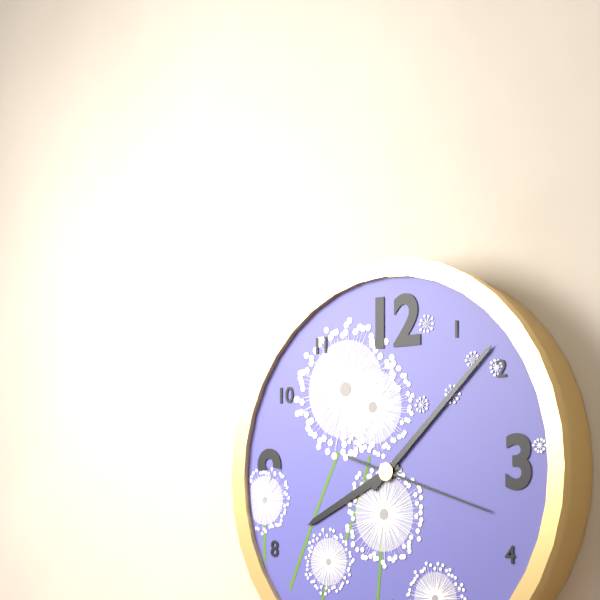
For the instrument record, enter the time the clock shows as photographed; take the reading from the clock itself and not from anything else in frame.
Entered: 8:08:18
